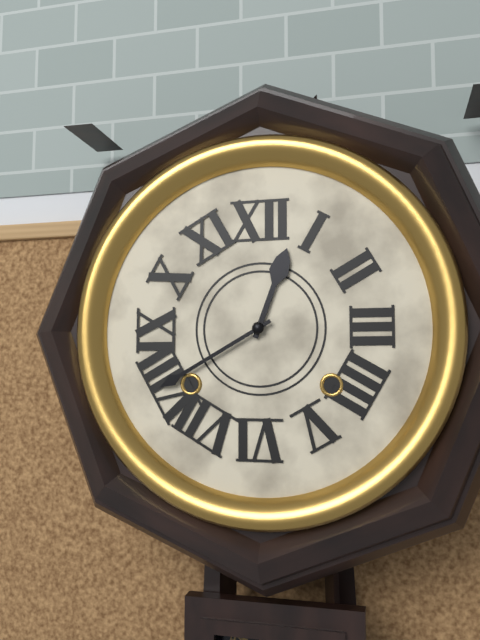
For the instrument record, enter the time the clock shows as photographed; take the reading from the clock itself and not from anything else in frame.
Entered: 12:40
